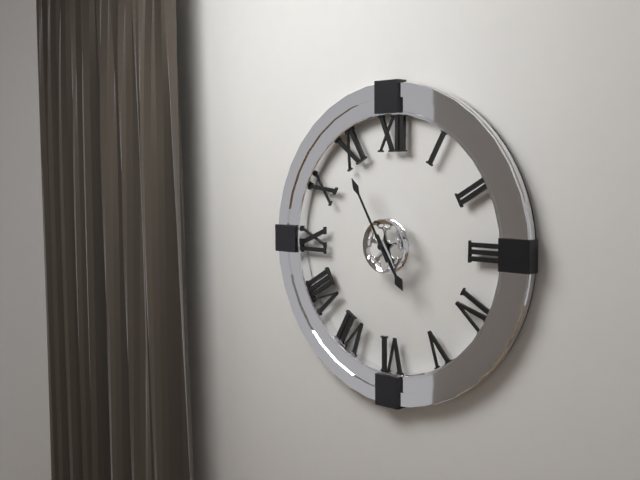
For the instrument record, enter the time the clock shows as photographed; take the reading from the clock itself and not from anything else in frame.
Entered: 4:55
